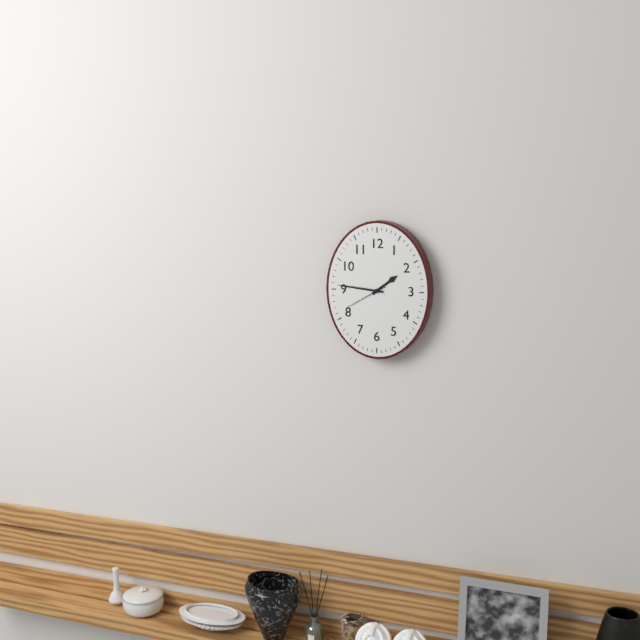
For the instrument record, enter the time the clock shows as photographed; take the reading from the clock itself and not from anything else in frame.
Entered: 1:46
